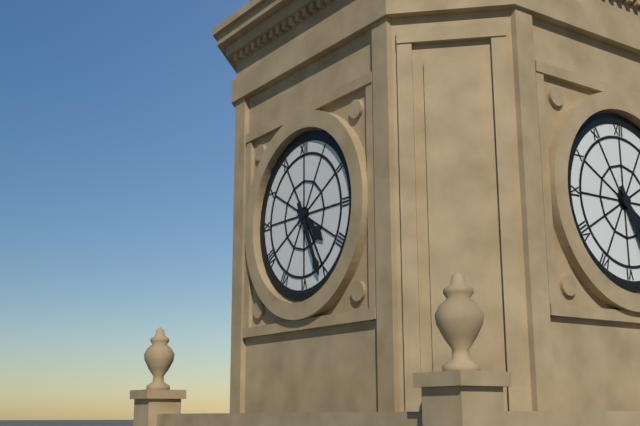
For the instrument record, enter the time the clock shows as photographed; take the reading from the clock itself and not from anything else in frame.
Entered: 4:26
